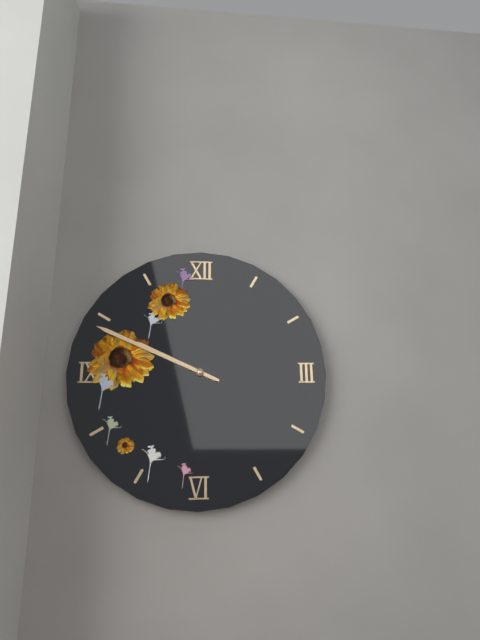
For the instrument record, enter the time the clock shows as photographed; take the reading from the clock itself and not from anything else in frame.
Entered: 9:49
